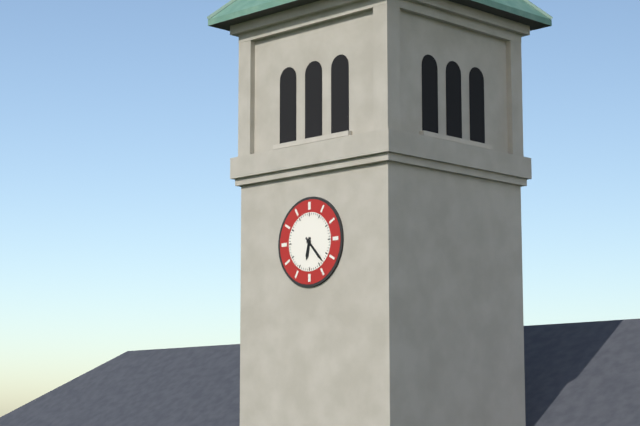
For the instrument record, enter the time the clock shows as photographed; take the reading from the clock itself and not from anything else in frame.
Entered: 6:23
